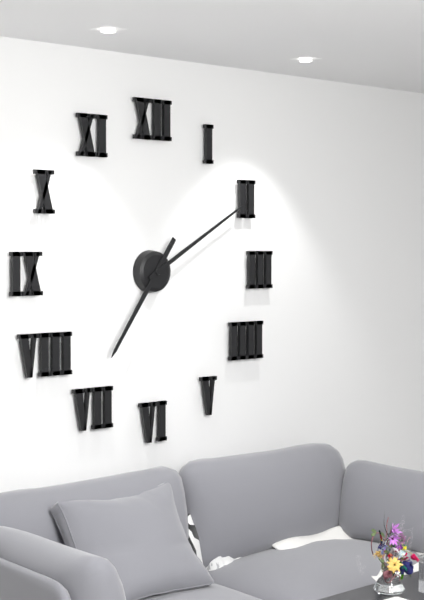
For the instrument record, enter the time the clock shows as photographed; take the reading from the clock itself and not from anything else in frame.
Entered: 7:10
